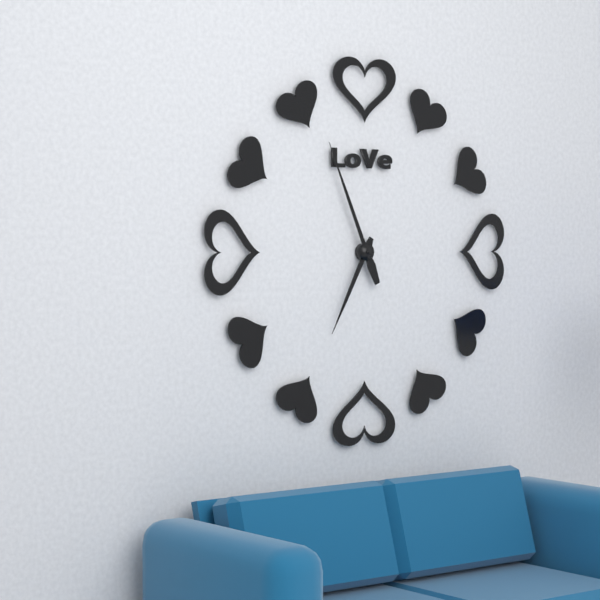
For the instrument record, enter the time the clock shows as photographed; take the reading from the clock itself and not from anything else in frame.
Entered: 6:56
